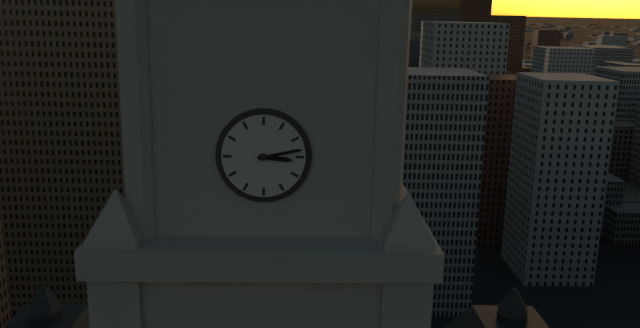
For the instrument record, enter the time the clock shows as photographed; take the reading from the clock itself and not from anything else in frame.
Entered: 3:13
